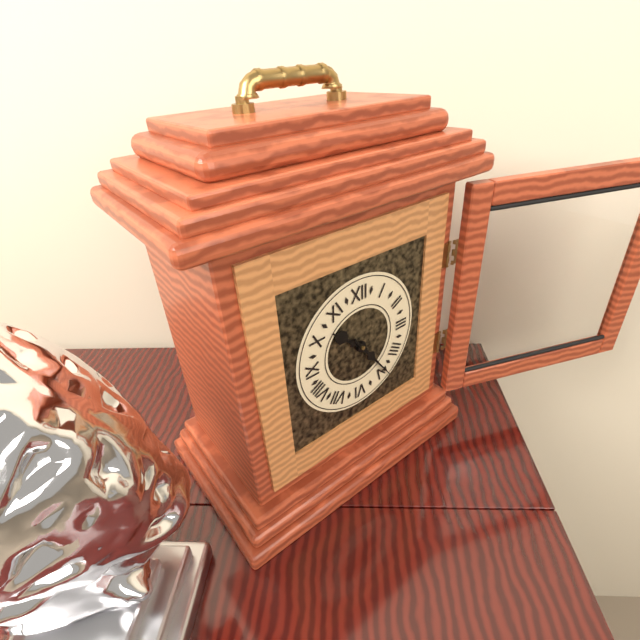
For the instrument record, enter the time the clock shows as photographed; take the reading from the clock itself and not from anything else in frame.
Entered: 10:24
